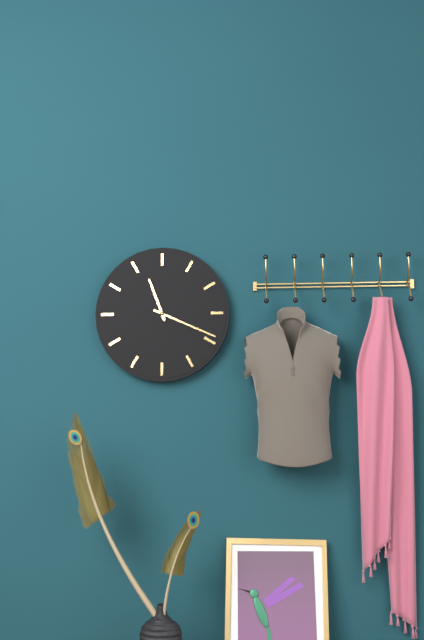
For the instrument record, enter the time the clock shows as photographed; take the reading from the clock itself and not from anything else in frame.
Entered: 11:19
